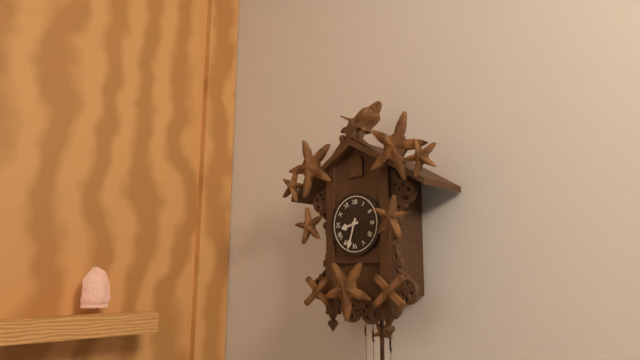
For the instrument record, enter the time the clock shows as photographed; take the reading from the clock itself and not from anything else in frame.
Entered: 8:33
